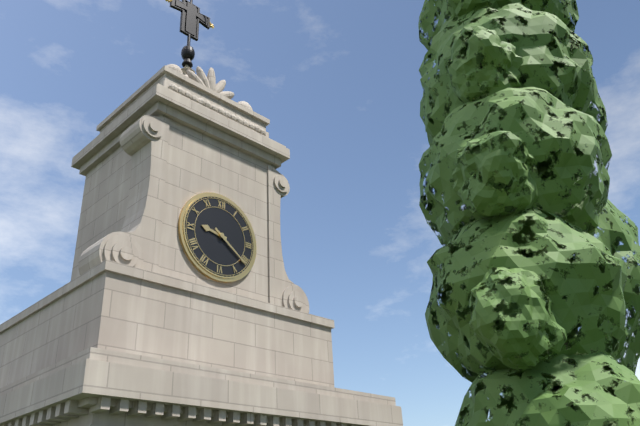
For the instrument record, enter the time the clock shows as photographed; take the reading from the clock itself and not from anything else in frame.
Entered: 9:21
